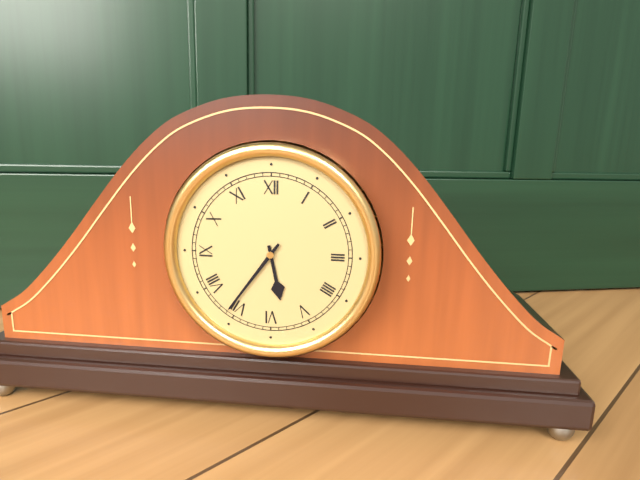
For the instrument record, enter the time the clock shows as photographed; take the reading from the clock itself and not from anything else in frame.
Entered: 5:36
